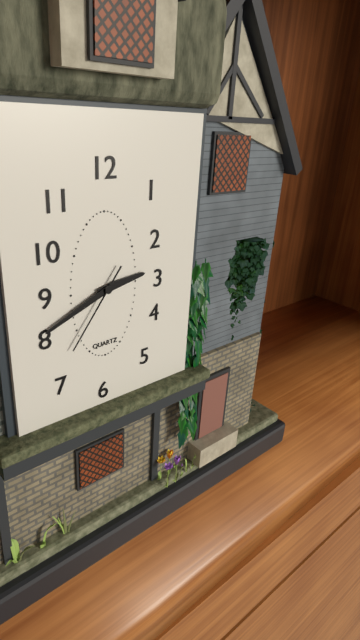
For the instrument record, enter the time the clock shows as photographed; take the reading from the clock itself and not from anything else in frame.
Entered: 2:41:36
